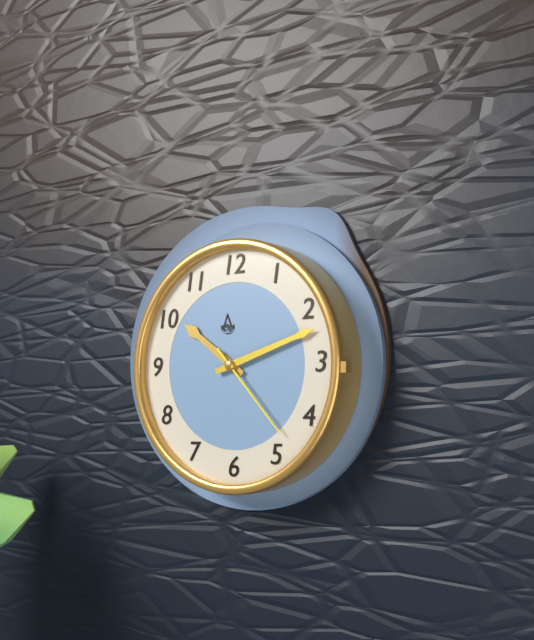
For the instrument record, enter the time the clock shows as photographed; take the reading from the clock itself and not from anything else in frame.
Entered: 10:12:23
